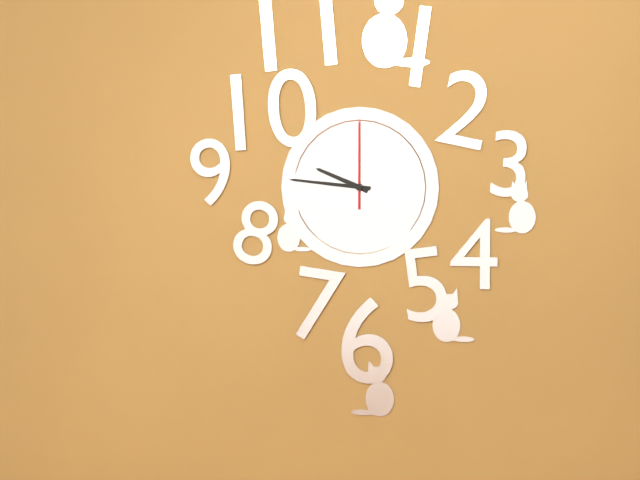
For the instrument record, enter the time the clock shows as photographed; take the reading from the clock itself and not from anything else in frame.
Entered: 9:46:00
